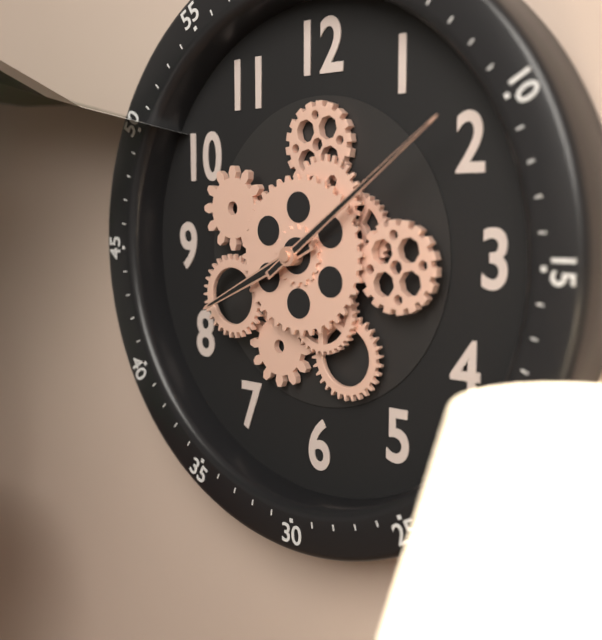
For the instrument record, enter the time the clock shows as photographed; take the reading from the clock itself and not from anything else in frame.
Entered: 8:09
